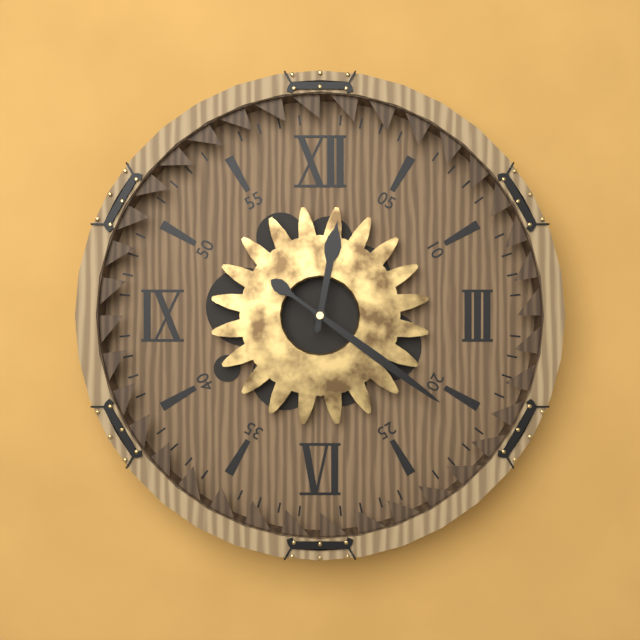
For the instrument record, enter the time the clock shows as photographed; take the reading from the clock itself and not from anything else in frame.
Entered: 12:21
